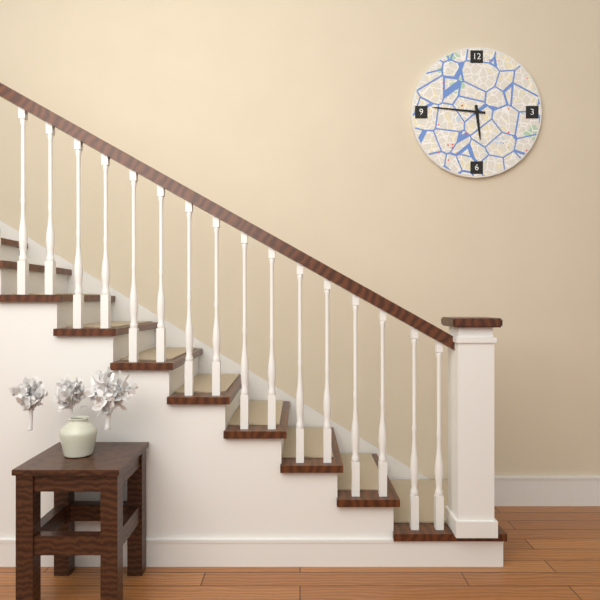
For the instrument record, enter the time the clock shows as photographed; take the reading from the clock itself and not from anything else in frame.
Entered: 5:46
